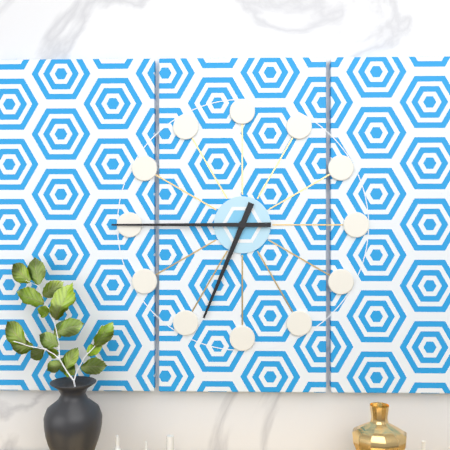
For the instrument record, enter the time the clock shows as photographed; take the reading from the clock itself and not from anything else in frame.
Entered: 6:45
